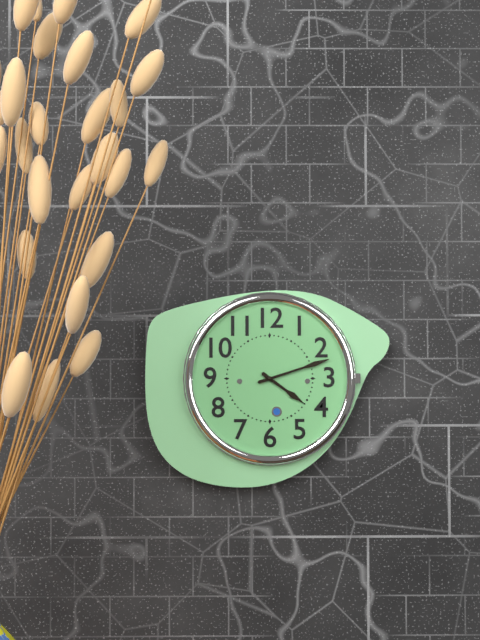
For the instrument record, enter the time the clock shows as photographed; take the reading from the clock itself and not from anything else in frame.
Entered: 4:12
